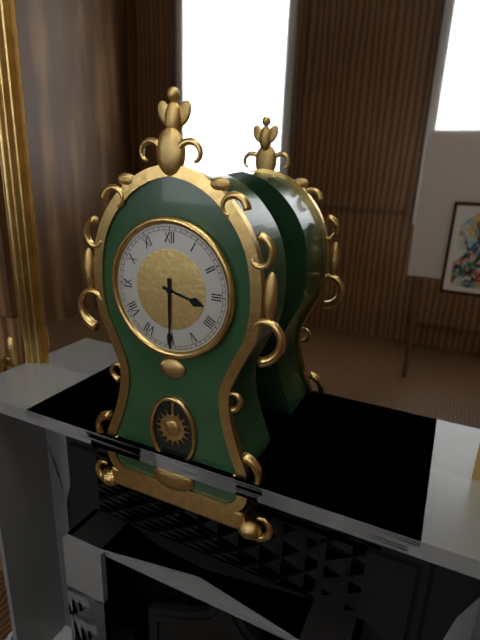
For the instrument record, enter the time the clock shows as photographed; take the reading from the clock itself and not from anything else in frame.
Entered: 3:30
